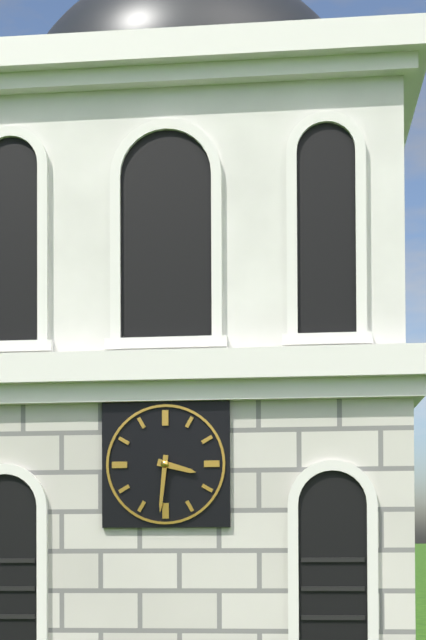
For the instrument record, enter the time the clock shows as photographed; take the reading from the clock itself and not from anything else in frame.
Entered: 3:31
